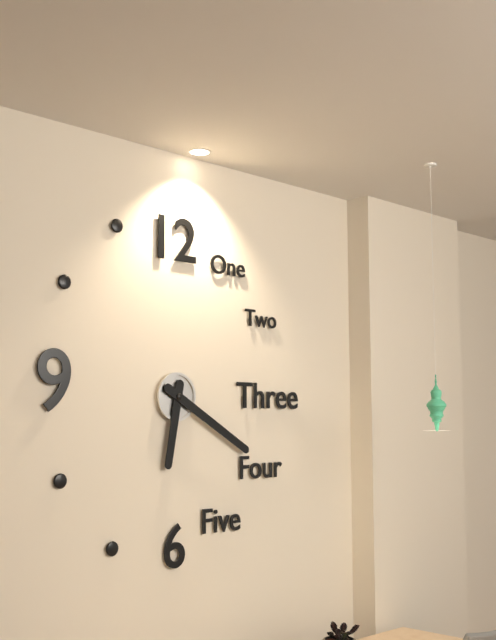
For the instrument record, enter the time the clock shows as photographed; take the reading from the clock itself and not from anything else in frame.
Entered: 6:20
